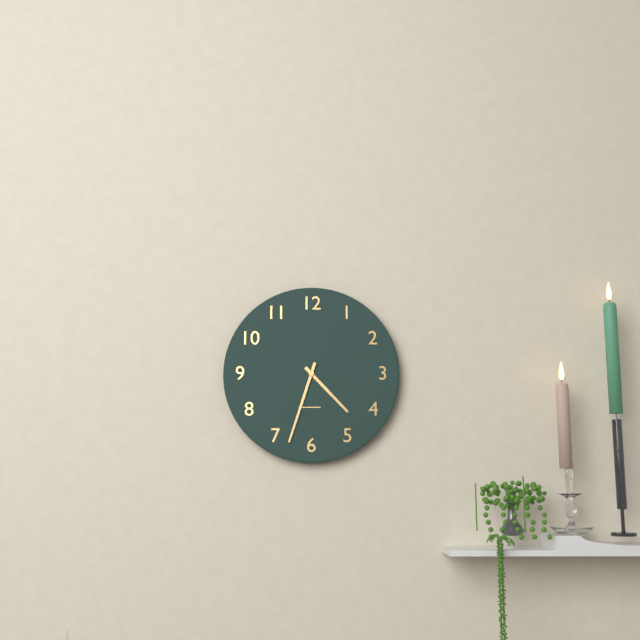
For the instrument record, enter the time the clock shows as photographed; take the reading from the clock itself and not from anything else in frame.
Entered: 4:33
